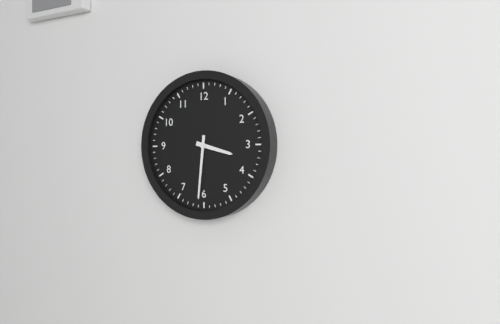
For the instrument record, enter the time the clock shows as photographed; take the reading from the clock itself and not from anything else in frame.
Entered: 3:31
